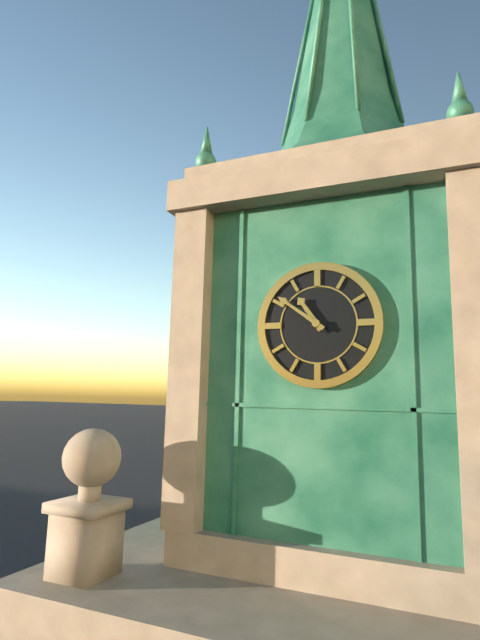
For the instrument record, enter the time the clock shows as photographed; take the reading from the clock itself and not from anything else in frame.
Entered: 10:51
